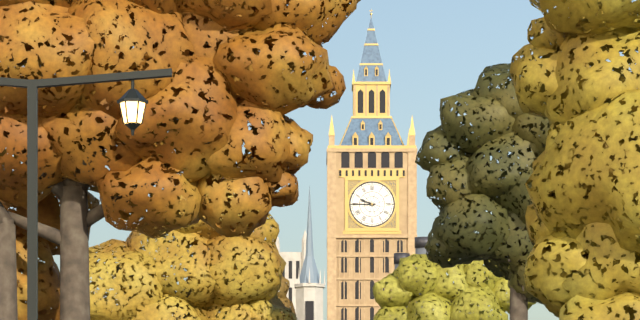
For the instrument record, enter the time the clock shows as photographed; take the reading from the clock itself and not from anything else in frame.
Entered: 9:45
